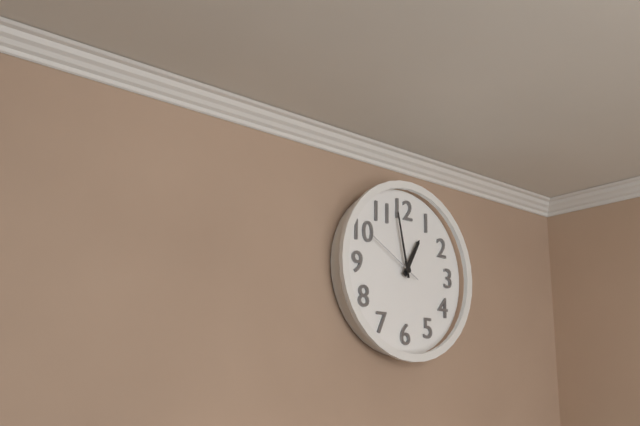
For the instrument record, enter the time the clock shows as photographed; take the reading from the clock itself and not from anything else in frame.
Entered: 12:58:50
